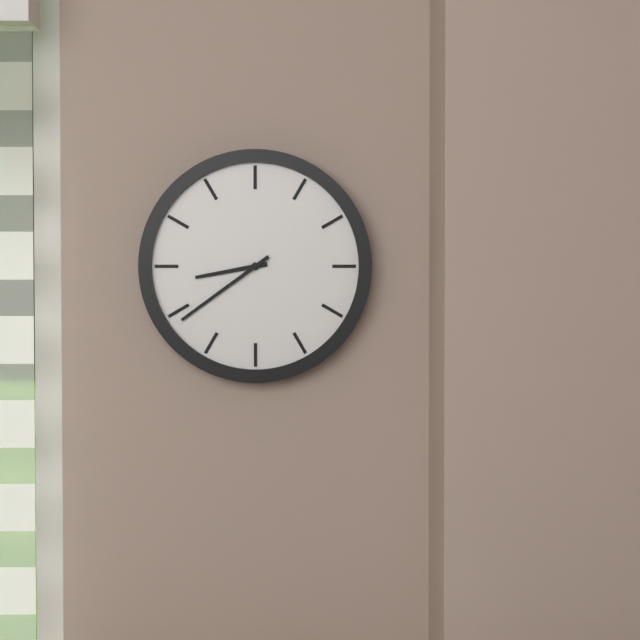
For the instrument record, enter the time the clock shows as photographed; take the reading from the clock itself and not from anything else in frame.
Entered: 8:39
